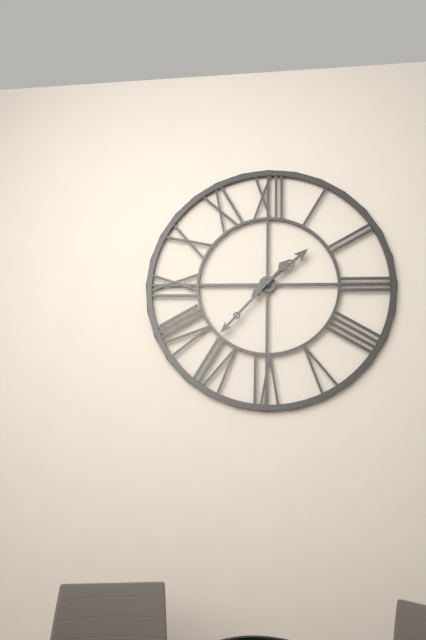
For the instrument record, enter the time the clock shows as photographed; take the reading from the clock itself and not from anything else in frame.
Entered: 1:37
